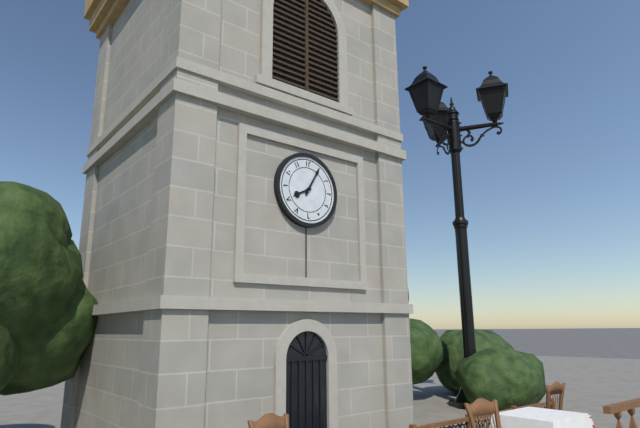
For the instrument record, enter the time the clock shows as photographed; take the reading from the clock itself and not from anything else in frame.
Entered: 8:05
